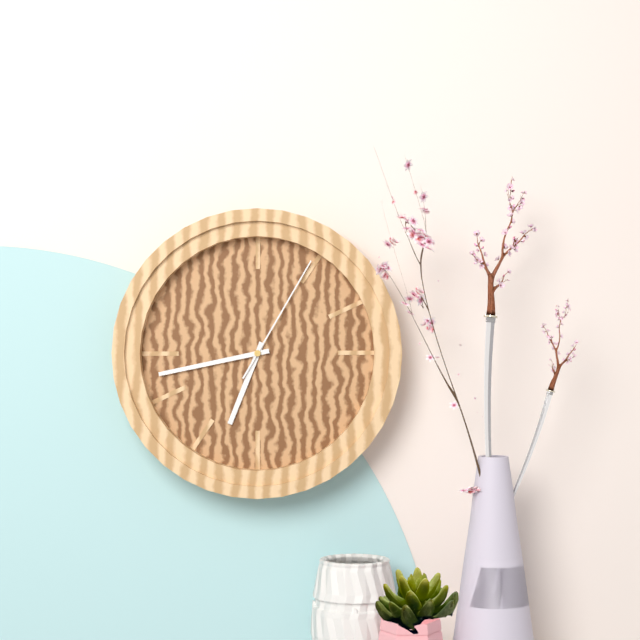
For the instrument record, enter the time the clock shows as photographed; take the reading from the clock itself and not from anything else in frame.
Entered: 6:43:05
